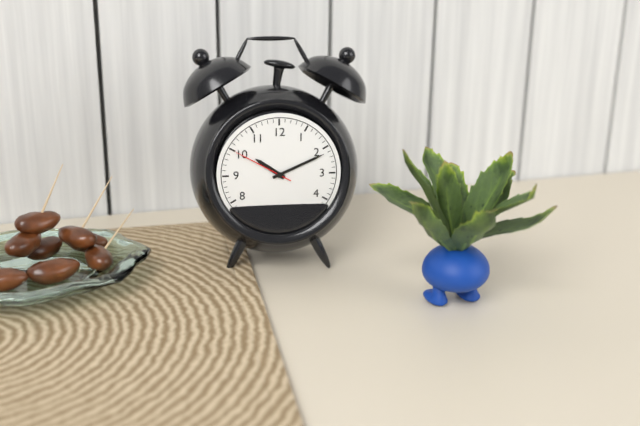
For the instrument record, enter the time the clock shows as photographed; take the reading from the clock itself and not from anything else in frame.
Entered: 10:11:50
